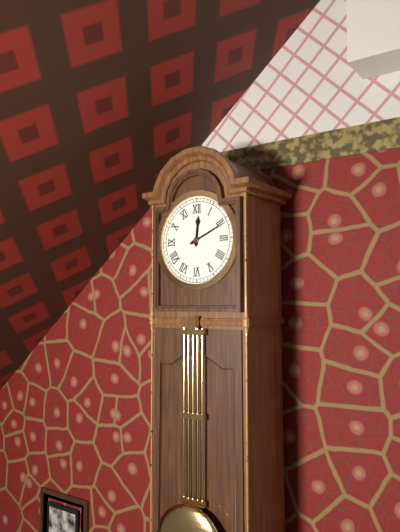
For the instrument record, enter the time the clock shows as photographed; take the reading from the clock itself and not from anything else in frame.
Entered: 12:11
